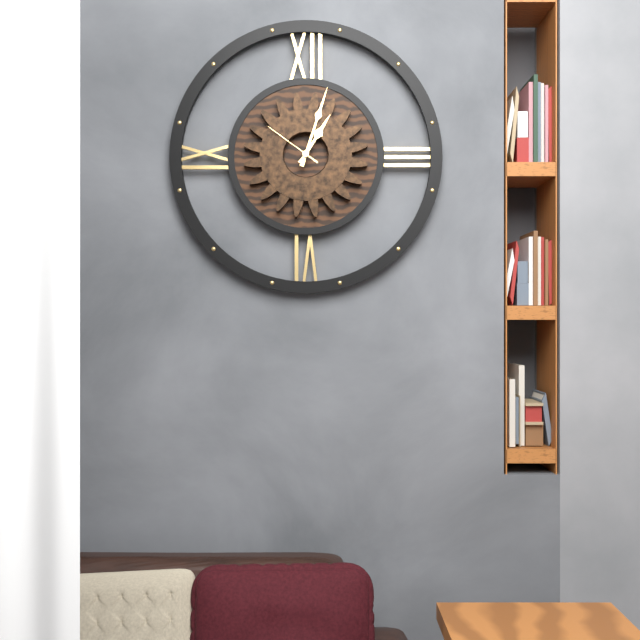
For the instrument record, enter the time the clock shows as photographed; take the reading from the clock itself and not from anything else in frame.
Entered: 1:03:51
